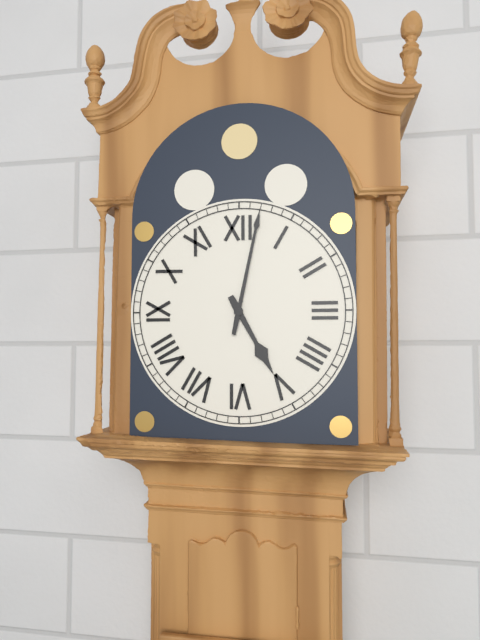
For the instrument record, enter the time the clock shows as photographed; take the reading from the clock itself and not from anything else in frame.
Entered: 5:02
